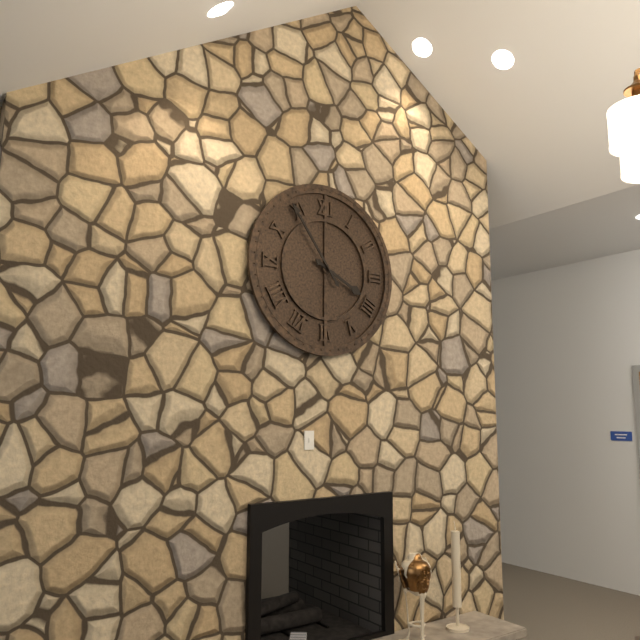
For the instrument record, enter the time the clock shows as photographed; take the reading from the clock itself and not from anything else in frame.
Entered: 3:54
